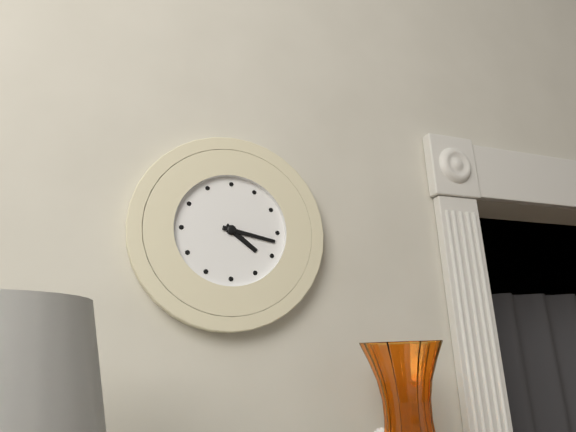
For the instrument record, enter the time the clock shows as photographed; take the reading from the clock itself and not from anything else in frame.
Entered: 4:17
